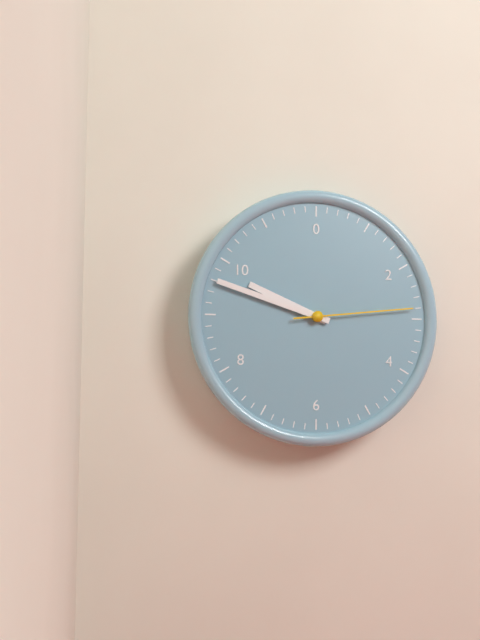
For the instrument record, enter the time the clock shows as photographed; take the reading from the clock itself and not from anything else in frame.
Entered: 9:48:14
